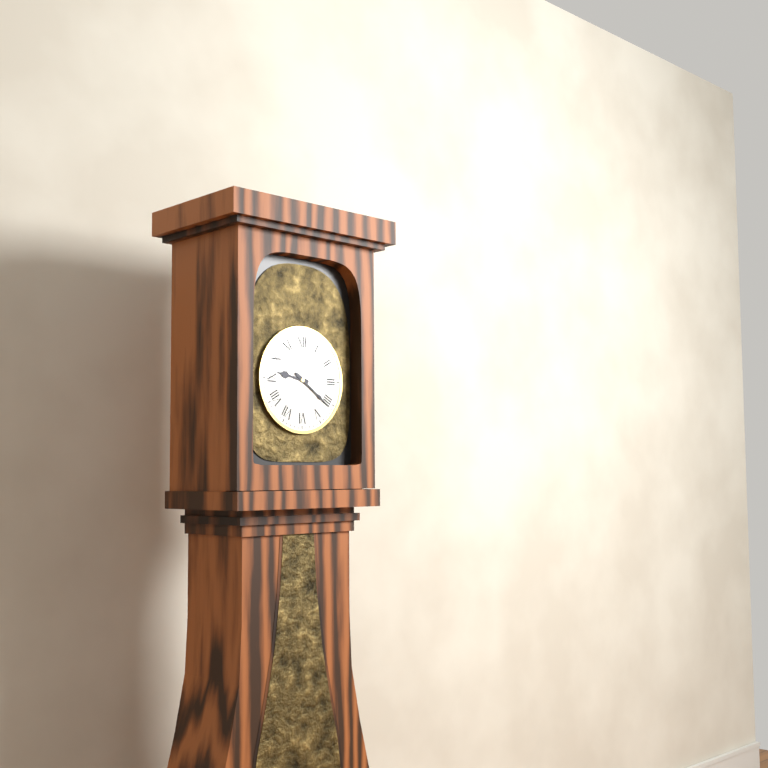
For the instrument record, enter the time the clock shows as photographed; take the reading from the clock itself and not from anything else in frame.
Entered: 9:21
